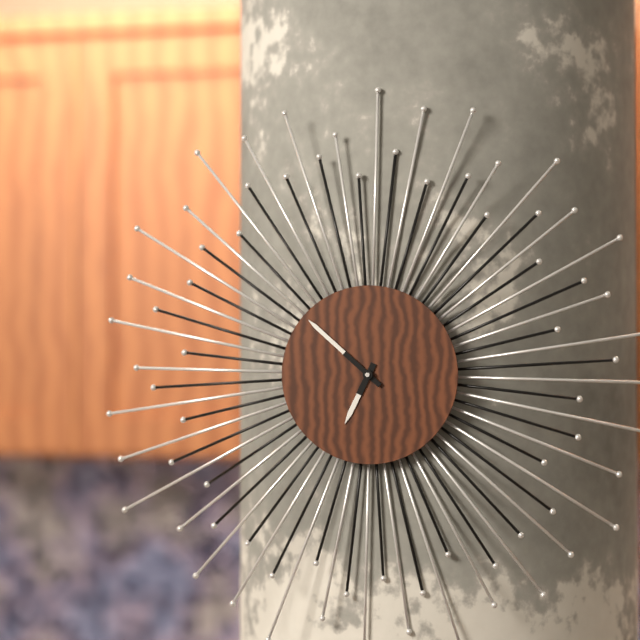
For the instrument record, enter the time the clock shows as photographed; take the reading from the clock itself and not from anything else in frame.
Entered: 6:52
